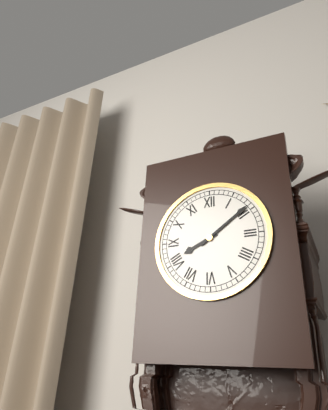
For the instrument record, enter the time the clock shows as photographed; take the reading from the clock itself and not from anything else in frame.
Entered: 8:09
